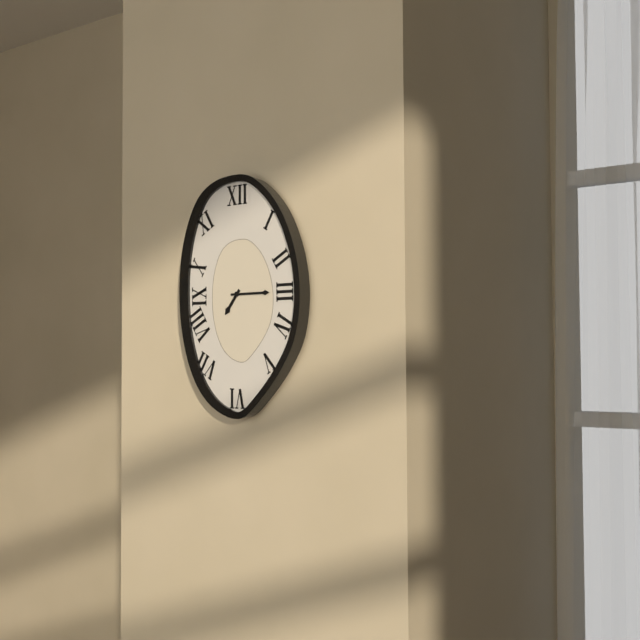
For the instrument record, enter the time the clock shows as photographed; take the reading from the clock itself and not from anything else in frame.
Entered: 7:15
